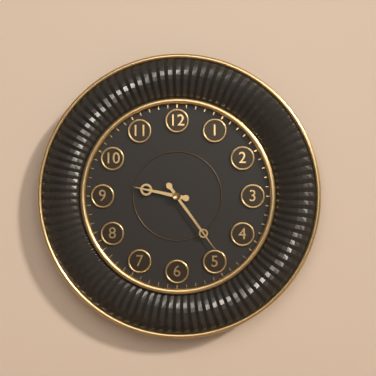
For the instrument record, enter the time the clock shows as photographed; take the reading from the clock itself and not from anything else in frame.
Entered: 9:24
